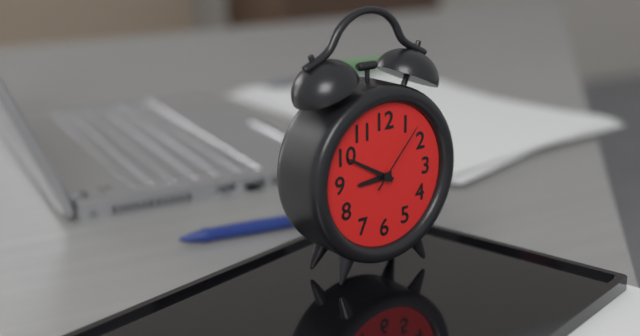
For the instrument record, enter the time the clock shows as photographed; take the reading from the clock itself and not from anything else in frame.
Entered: 8:50:07
